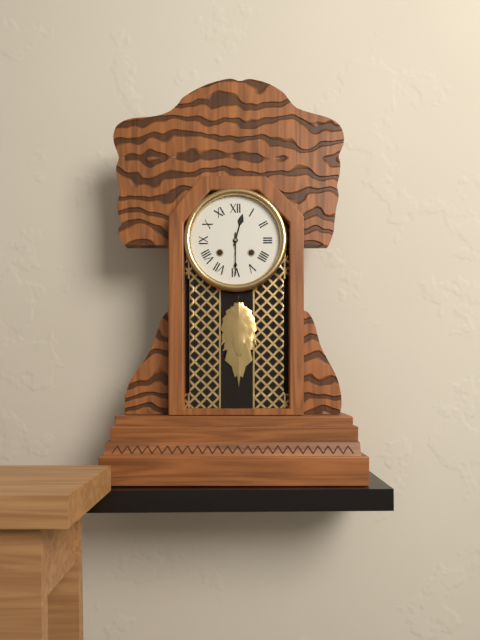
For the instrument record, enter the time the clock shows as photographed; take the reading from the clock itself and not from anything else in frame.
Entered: 12:30
